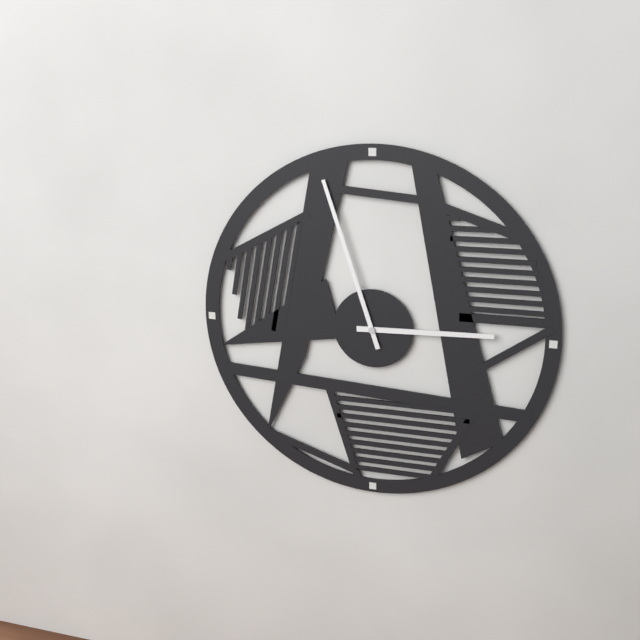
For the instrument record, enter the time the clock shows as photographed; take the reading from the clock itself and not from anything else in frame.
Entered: 2:57
